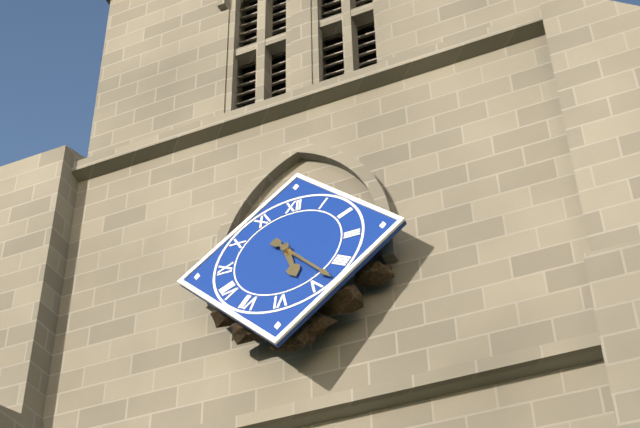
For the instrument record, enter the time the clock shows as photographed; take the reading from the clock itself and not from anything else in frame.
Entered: 5:23
